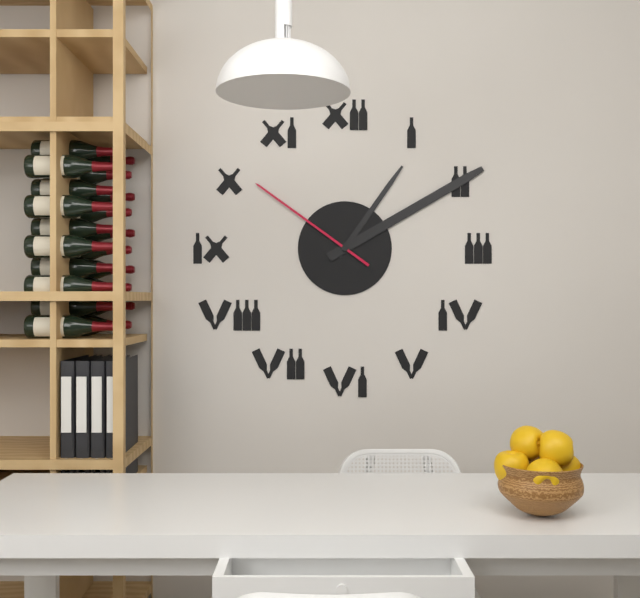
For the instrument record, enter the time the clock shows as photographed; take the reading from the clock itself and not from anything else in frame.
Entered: 1:10:51
